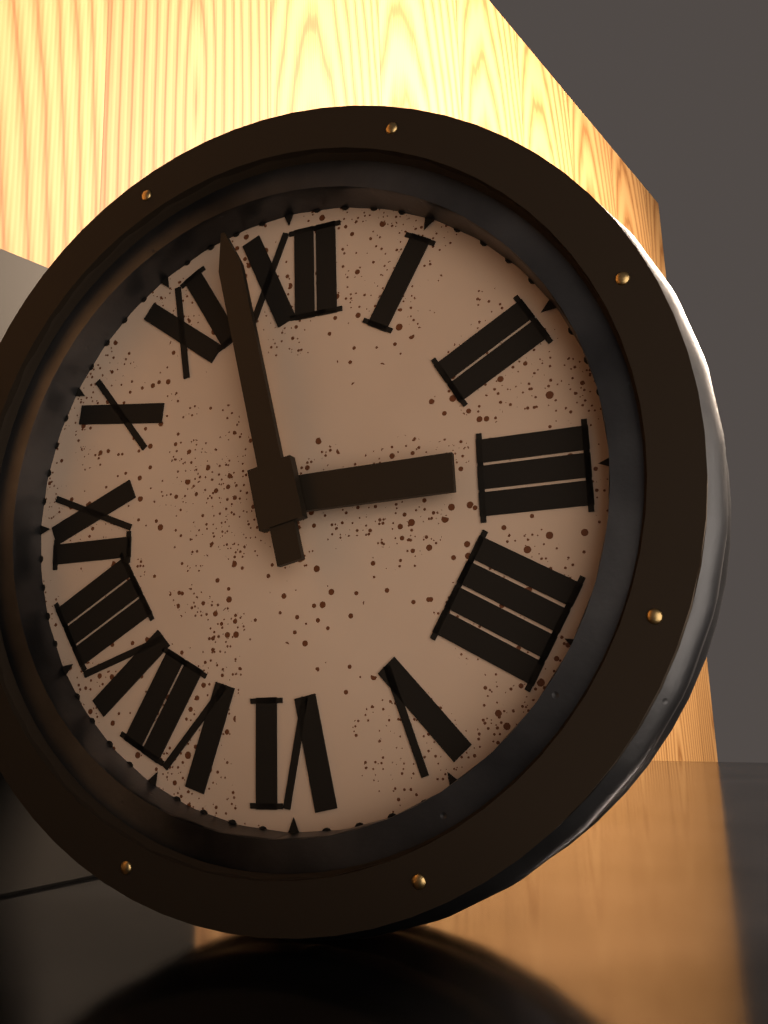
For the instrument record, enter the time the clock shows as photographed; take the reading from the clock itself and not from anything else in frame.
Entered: 2:58
